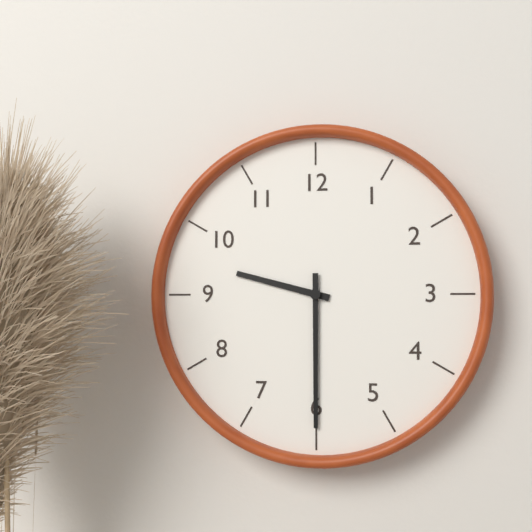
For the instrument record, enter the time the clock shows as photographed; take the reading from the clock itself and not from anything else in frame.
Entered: 9:30
